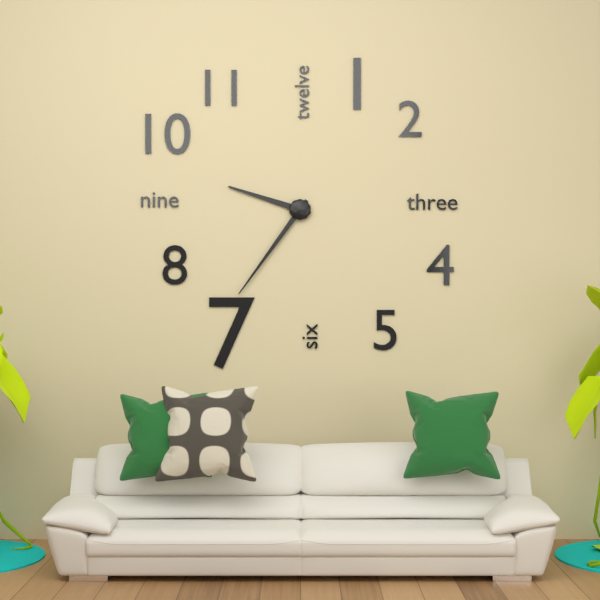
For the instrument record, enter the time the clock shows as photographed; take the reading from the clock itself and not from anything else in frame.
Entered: 9:36
